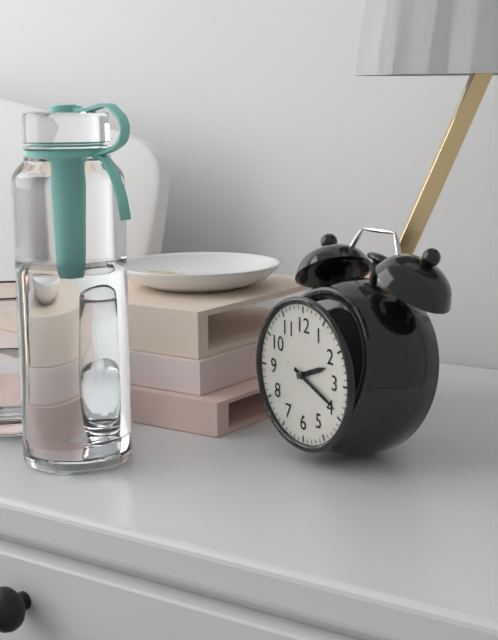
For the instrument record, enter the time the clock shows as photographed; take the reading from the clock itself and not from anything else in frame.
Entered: 2:19
